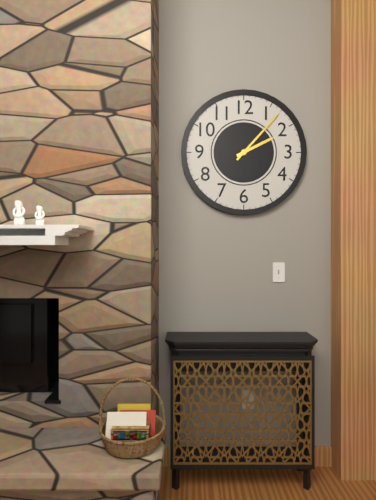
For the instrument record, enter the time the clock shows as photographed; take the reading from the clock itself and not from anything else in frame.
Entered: 2:07
